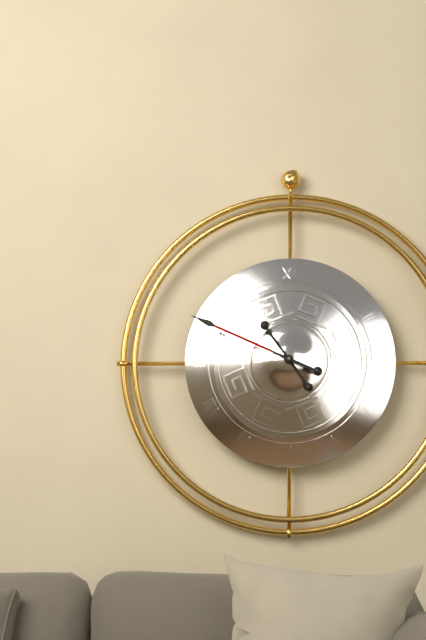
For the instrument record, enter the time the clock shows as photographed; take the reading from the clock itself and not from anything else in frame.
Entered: 10:49
